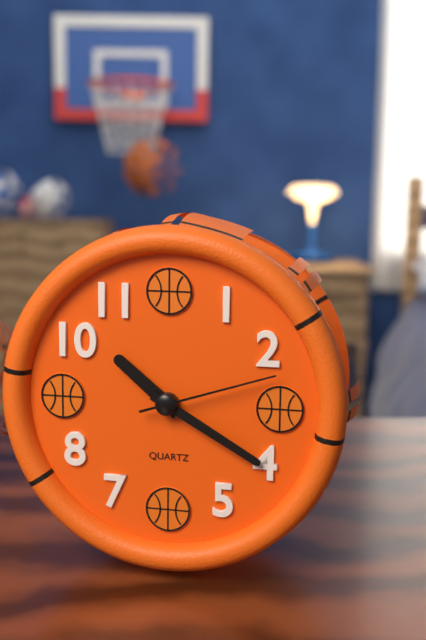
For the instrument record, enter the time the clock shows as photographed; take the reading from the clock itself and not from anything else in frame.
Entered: 10:20:12
